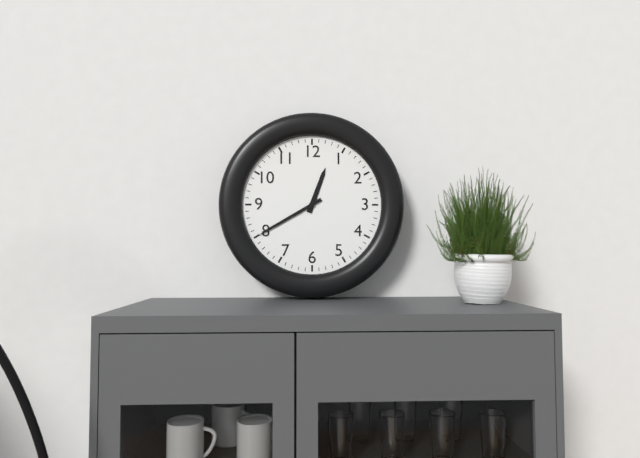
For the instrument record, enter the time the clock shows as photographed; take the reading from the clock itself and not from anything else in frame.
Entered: 12:40
